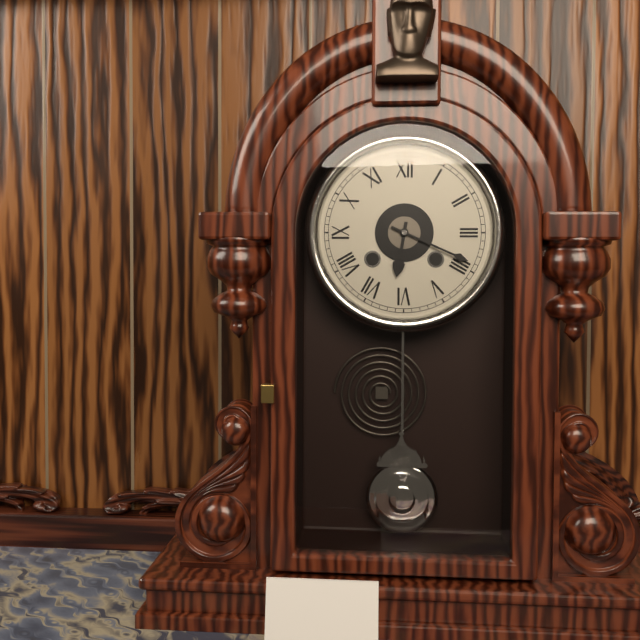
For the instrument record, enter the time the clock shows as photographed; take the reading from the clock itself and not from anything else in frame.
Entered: 6:19
